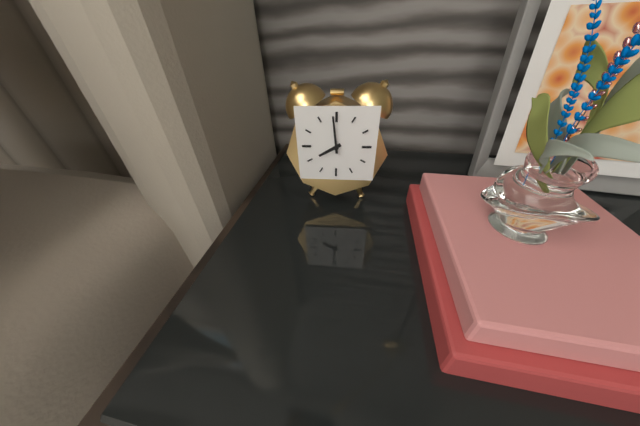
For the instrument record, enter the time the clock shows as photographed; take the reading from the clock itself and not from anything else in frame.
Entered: 7:59
